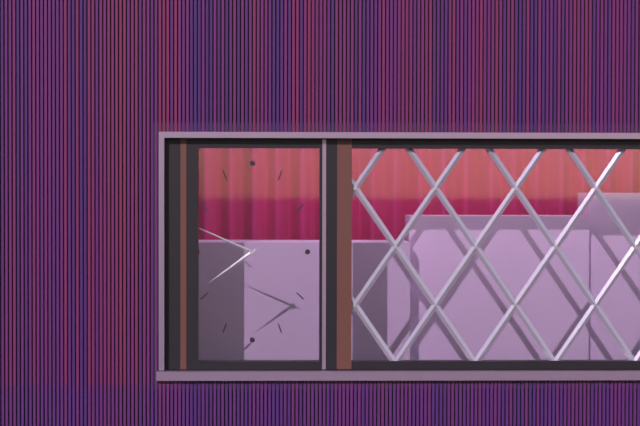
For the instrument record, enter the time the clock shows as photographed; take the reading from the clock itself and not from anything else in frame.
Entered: 7:49
